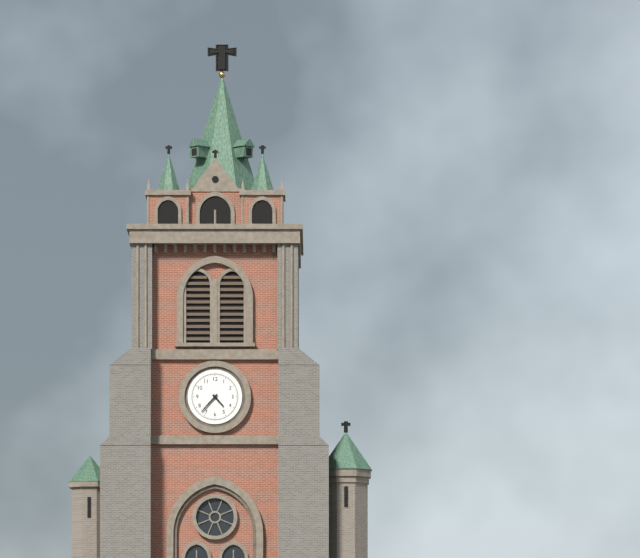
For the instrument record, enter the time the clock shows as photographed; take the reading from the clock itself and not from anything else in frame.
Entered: 4:37
